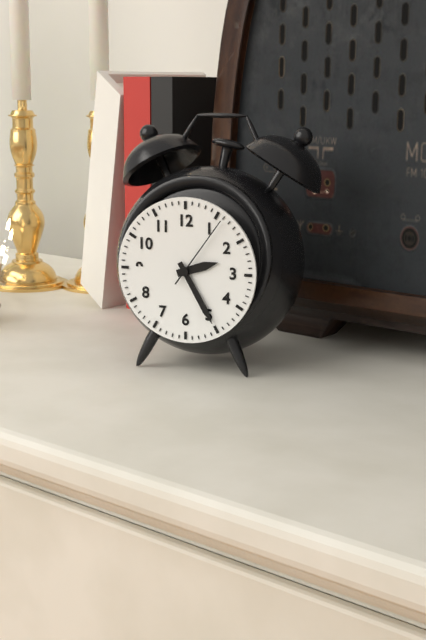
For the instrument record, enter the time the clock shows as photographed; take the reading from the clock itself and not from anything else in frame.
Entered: 2:25:06
